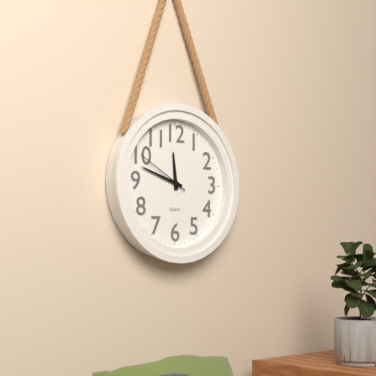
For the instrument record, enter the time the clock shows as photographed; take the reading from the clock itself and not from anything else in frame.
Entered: 11:48:50
